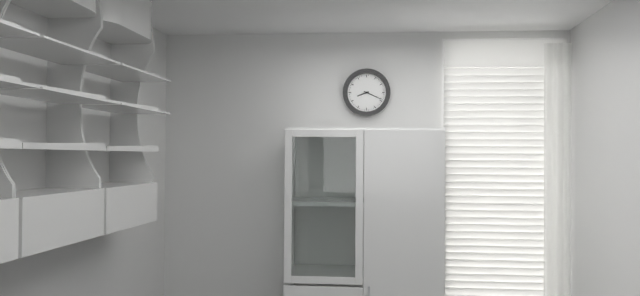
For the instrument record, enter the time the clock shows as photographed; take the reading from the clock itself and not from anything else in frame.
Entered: 8:19
